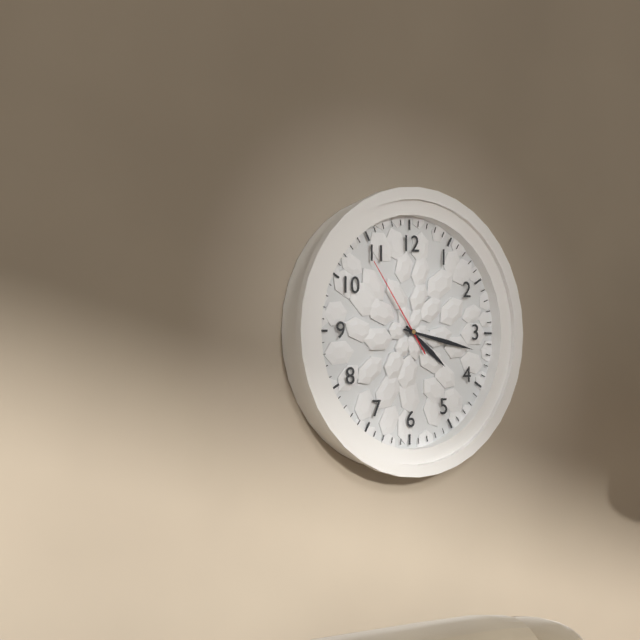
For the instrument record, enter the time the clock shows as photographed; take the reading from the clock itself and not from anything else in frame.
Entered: 4:17:54
